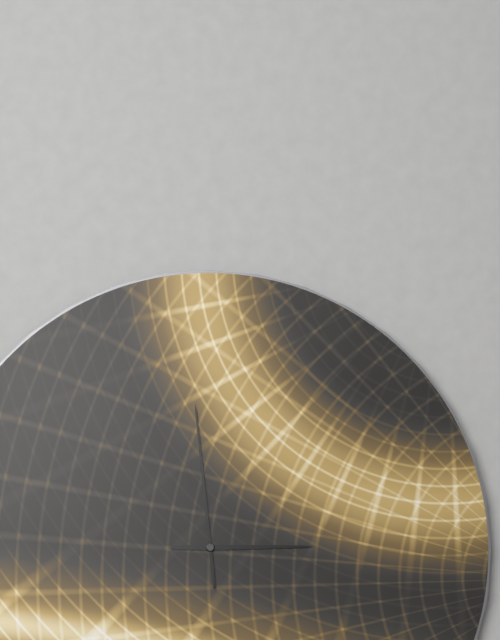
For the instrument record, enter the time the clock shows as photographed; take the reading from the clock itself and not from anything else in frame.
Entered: 2:59
